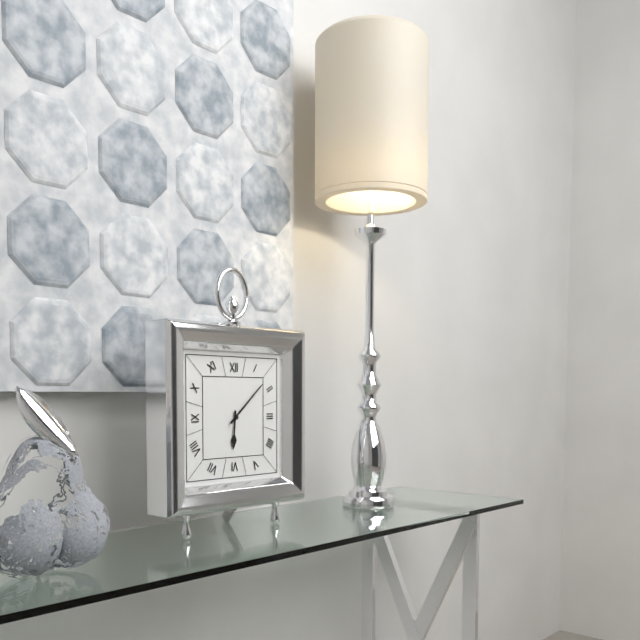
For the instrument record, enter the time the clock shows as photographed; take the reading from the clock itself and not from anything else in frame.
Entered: 6:08
